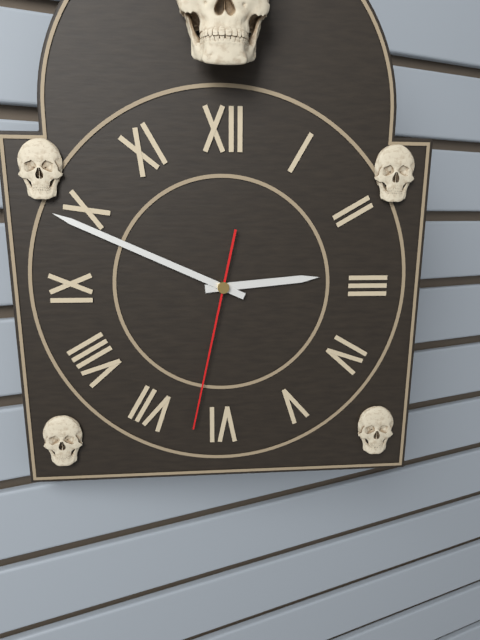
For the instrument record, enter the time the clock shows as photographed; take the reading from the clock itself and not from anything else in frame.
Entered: 2:49:32
